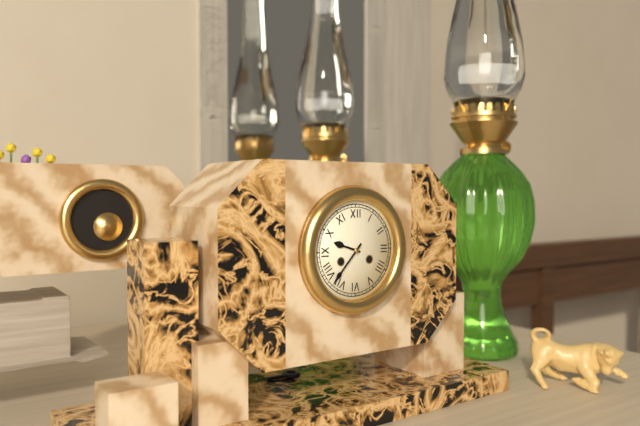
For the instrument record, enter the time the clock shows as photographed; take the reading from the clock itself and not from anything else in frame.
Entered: 9:37
